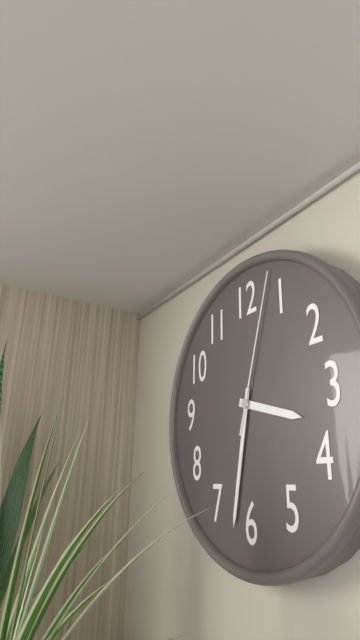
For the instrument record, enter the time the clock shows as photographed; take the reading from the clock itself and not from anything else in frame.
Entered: 3:32:03
